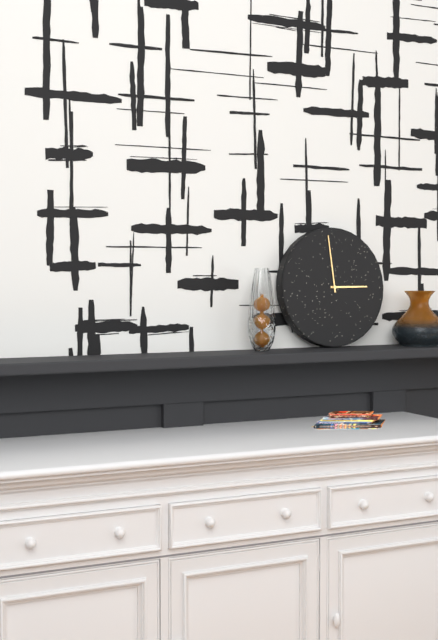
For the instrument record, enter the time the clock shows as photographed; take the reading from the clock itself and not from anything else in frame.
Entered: 2:59
